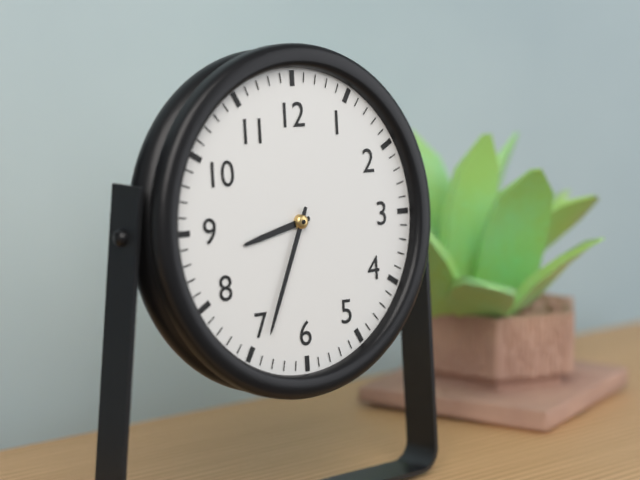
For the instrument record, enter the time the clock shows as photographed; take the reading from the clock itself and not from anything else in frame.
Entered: 8:34
